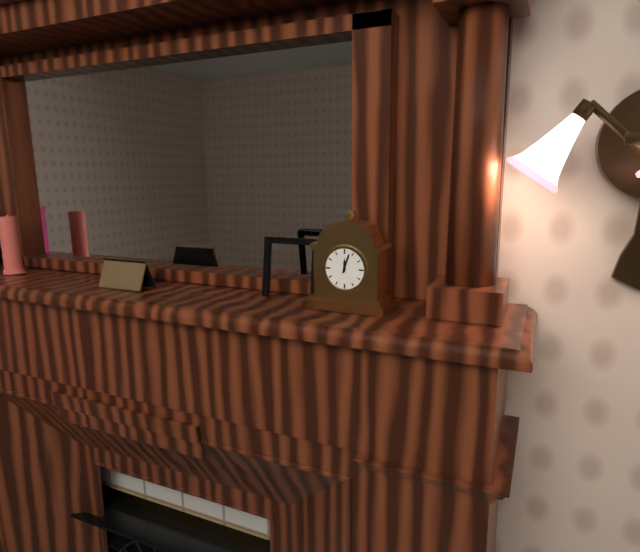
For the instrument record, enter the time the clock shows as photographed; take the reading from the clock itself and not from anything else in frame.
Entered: 12:03
